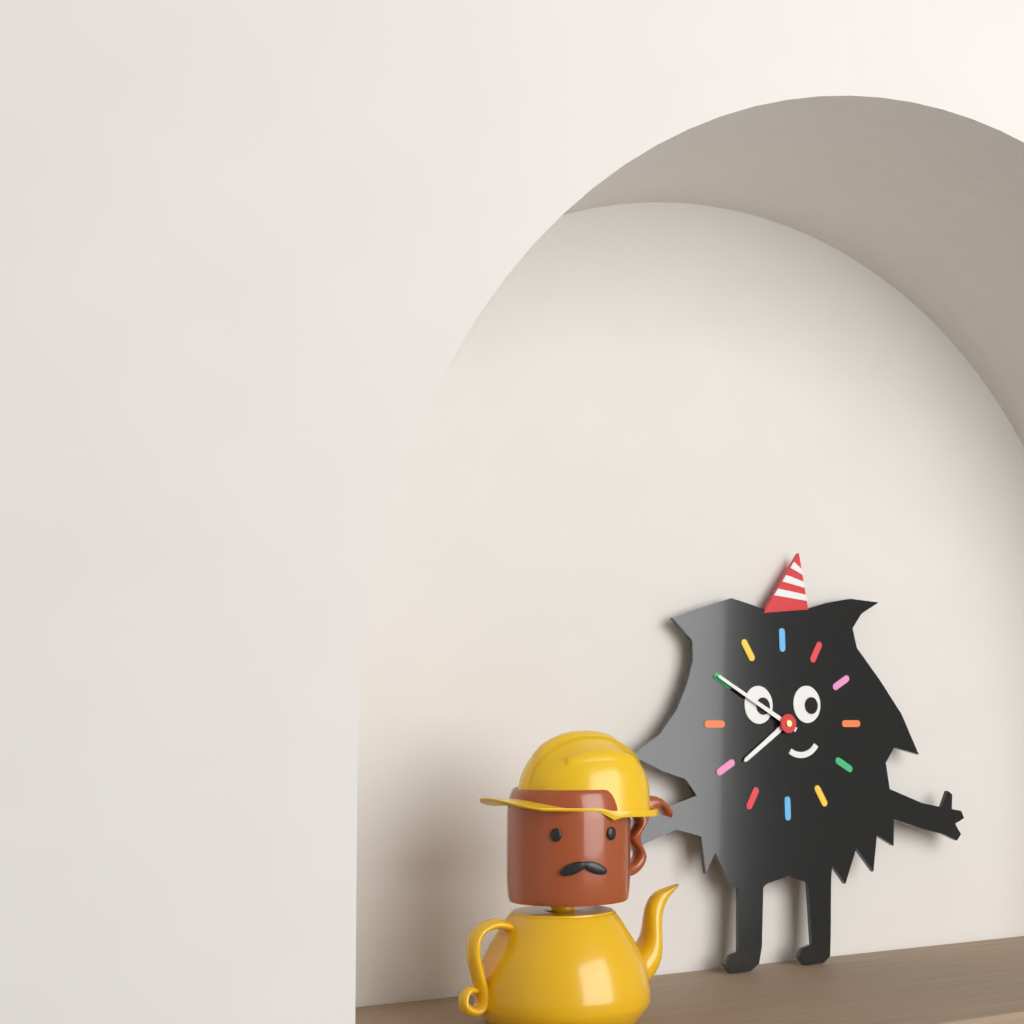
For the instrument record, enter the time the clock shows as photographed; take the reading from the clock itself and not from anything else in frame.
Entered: 7:50
